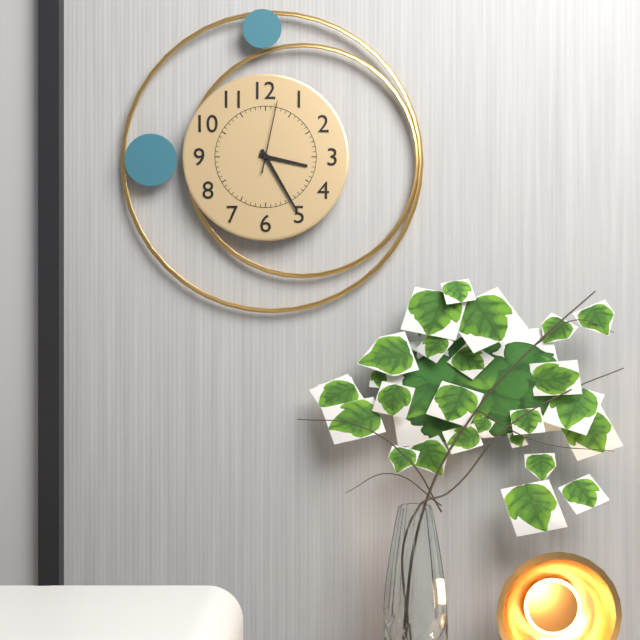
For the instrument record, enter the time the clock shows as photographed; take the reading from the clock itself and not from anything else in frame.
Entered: 3:25:02
